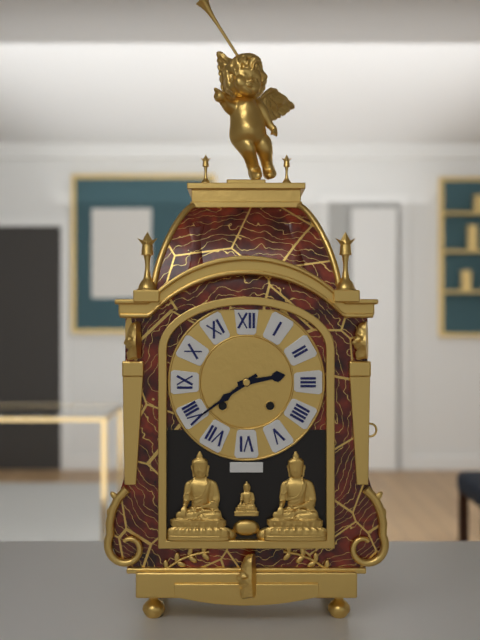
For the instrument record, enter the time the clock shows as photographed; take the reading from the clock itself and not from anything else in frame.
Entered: 2:39
